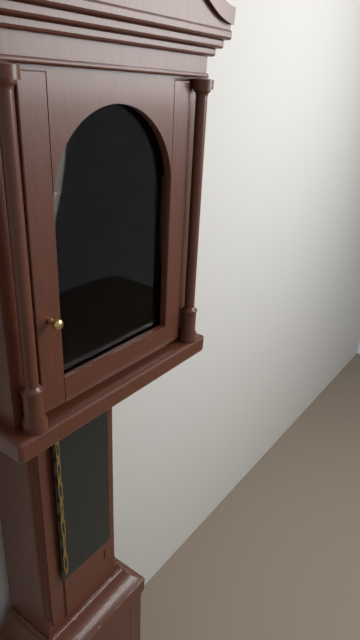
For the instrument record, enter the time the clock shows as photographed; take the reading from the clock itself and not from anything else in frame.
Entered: 9:32
